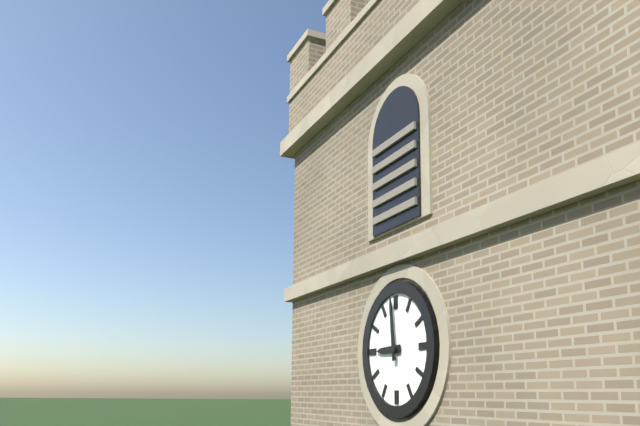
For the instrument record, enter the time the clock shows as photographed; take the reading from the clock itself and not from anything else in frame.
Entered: 8:59
